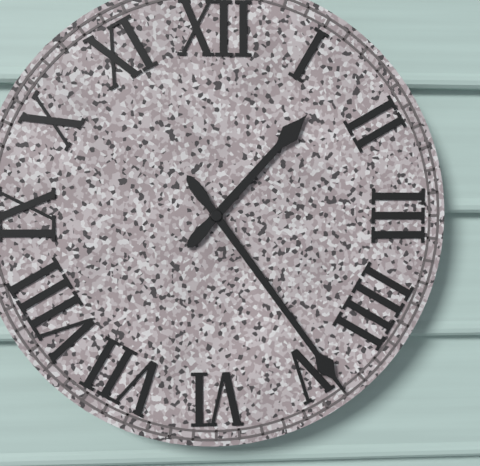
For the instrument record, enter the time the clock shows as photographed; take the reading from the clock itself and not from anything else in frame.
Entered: 1:24
